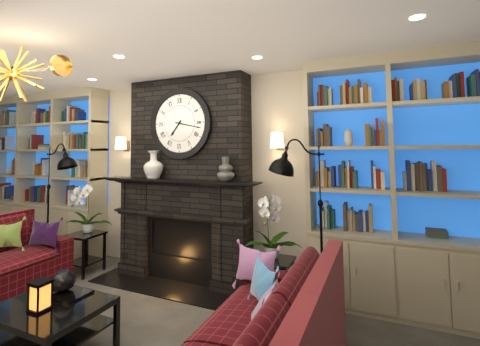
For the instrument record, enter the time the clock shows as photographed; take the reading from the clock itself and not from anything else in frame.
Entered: 7:17
